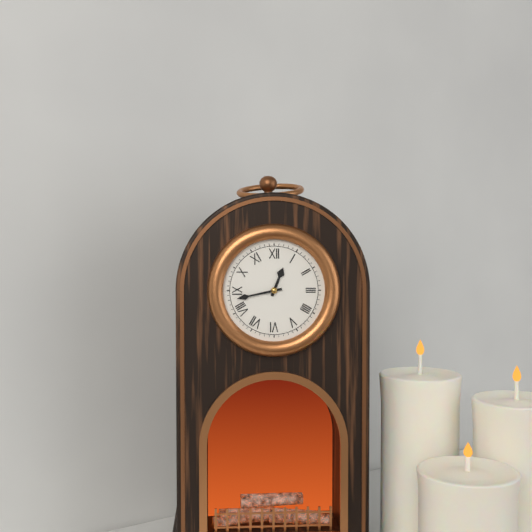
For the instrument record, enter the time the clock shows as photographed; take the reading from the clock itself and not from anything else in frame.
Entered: 12:43
